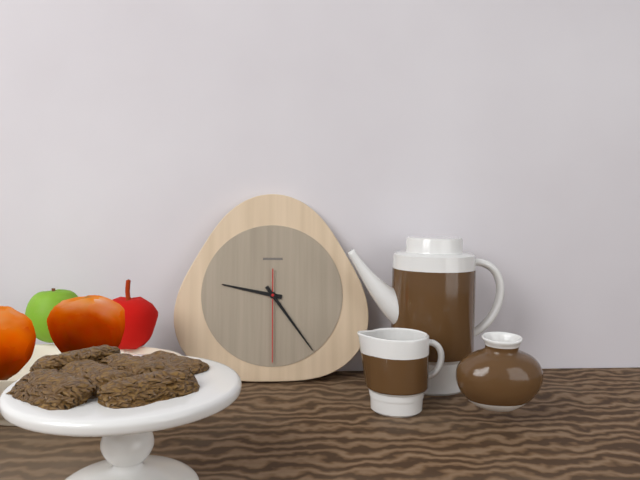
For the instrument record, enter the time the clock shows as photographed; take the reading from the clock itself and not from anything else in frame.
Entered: 9:24:30
